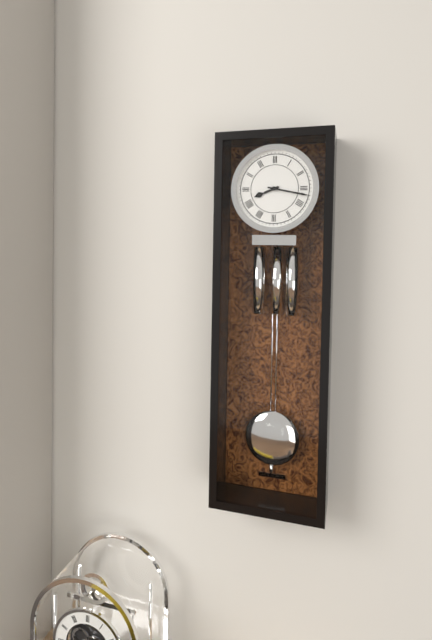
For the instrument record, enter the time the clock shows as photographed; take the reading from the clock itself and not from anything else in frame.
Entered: 8:17
